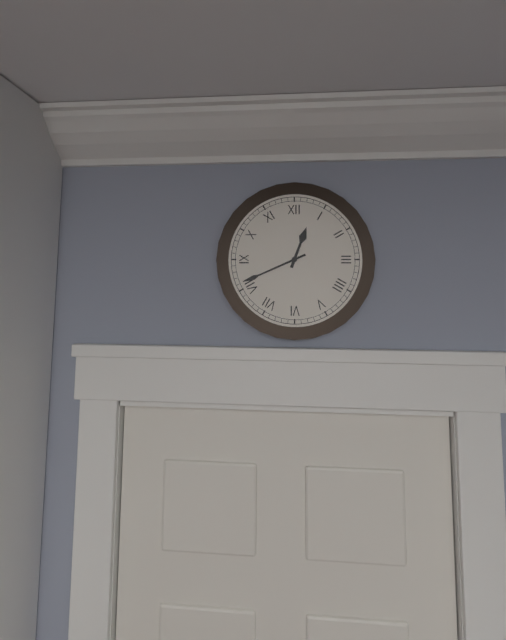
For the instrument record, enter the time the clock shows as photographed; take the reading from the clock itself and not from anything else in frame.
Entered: 12:41
